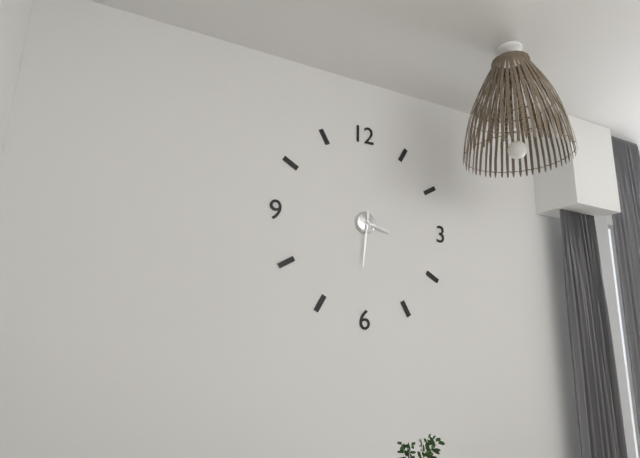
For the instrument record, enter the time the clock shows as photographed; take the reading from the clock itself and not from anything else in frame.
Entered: 3:31
